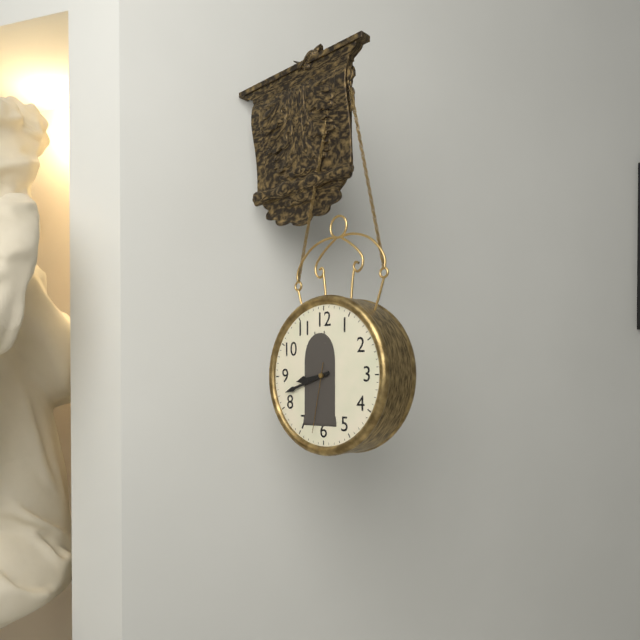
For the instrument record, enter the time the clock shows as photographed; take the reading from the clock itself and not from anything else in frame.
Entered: 8:42:32
